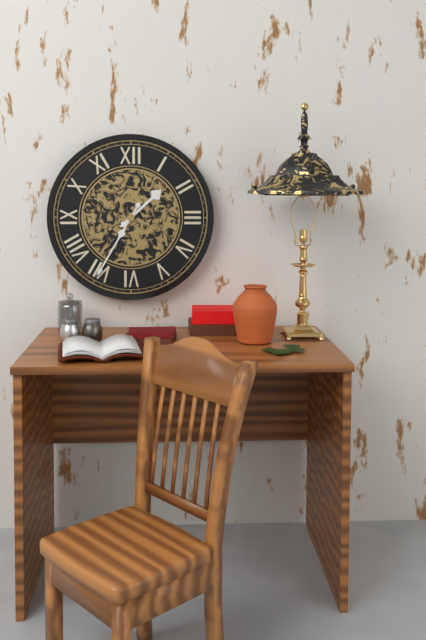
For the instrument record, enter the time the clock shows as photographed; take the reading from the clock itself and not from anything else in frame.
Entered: 1:35
